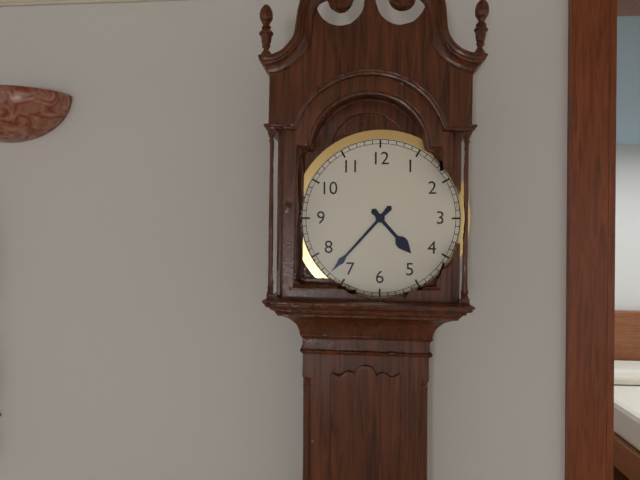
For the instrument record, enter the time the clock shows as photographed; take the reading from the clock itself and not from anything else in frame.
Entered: 4:37
